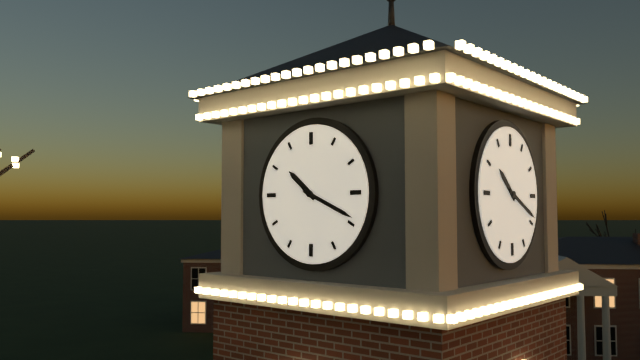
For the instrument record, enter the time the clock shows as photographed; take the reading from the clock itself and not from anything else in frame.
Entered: 10:19
